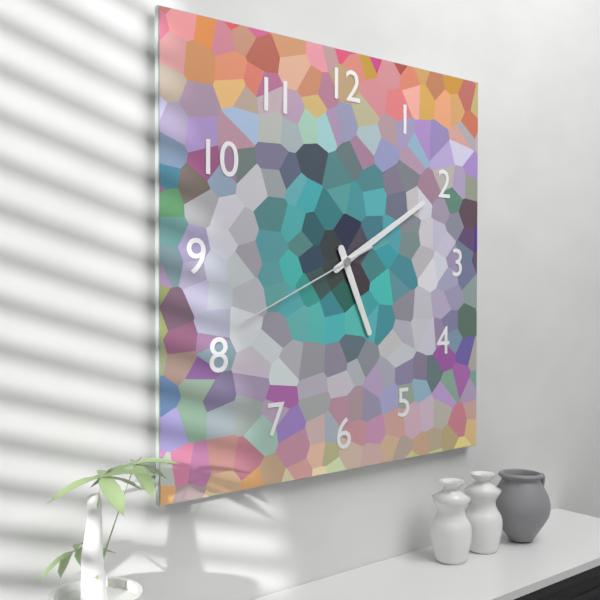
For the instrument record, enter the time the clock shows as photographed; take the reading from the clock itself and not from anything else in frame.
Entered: 5:10:41
